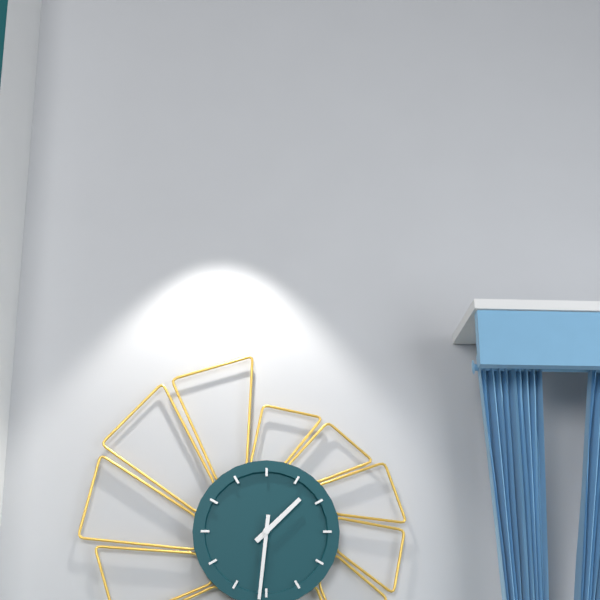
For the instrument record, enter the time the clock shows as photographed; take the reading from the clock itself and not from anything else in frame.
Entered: 1:31
